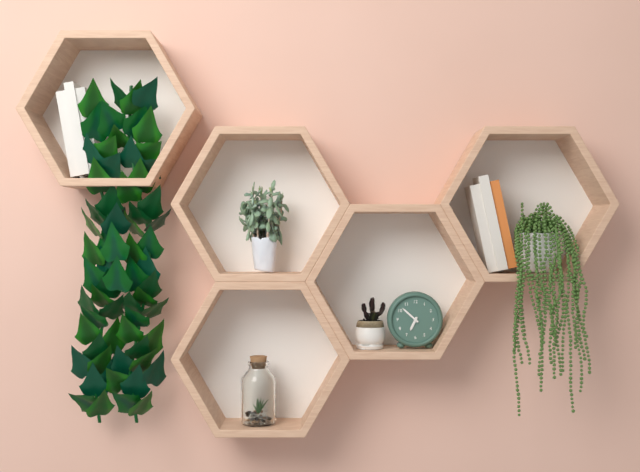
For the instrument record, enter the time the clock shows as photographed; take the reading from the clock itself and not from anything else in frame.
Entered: 6:52
